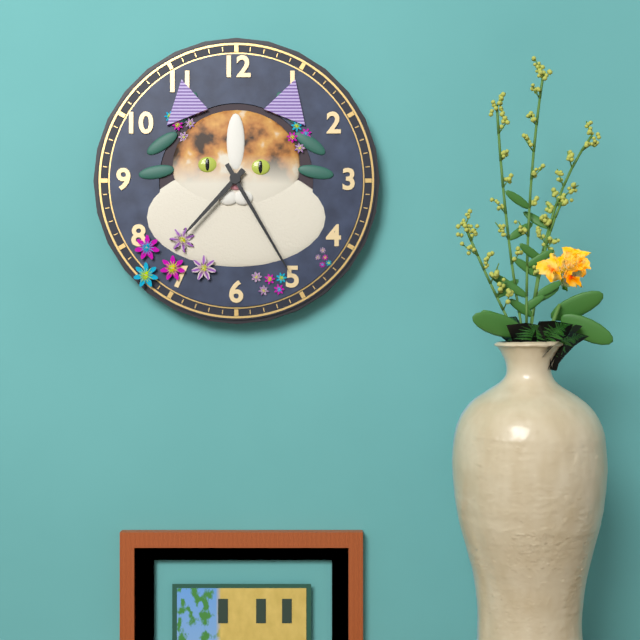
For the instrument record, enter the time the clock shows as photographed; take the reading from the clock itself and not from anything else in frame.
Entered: 7:25
